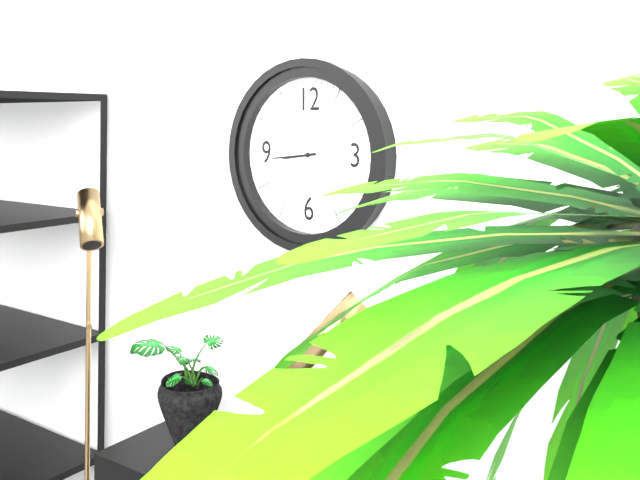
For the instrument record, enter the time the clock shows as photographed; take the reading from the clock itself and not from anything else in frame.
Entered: 8:44
